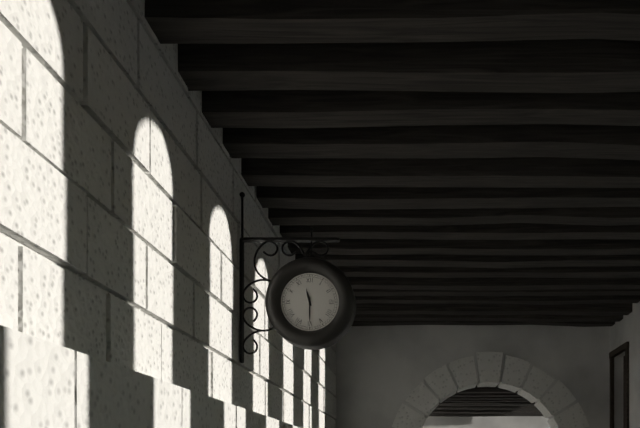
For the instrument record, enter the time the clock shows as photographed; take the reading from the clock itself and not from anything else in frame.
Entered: 11:30
